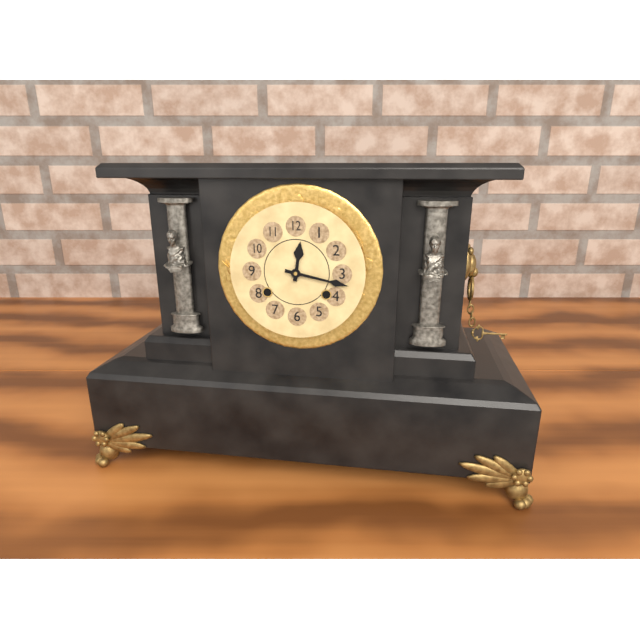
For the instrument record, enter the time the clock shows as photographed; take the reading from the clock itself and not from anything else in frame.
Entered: 12:17
